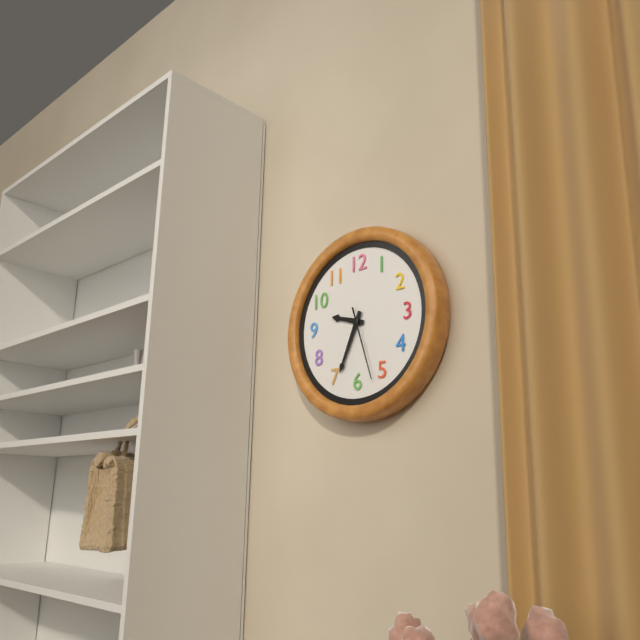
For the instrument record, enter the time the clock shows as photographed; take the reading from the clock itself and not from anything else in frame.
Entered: 9:34:27
